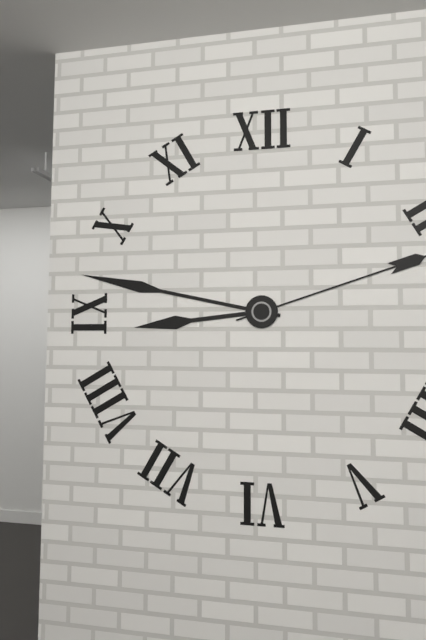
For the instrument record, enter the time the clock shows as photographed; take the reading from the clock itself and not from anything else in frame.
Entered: 8:47
